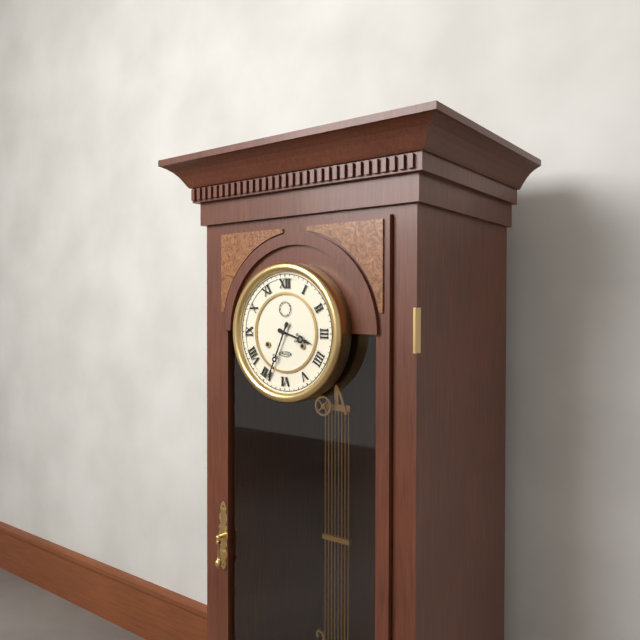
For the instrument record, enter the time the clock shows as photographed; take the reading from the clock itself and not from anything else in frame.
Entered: 3:34
